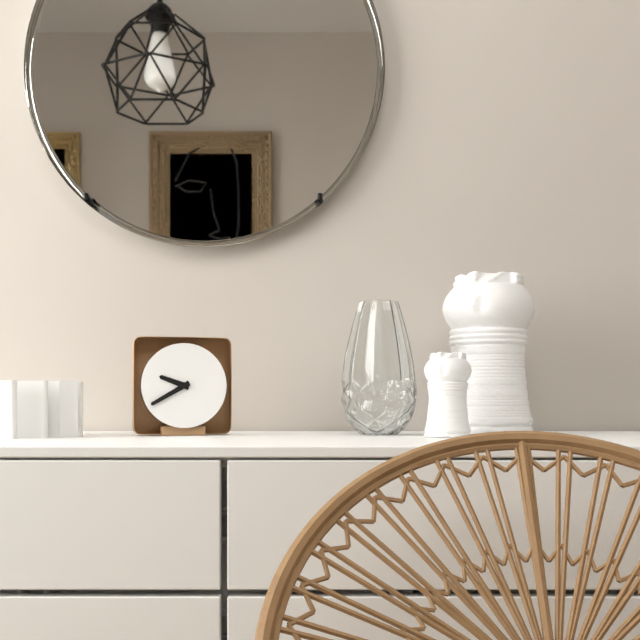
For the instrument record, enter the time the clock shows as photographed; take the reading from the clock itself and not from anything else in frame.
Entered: 9:40
